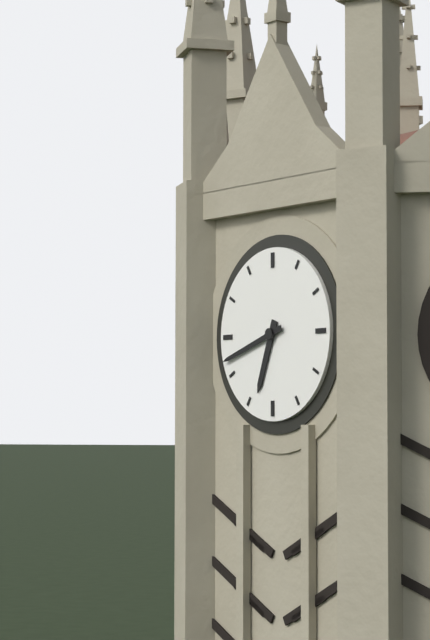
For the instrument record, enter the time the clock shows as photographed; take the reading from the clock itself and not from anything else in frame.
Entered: 6:42
